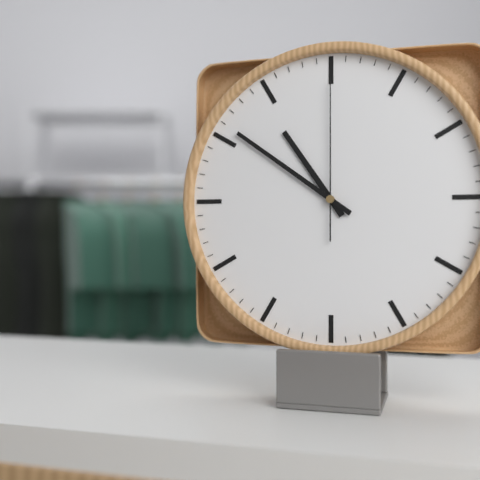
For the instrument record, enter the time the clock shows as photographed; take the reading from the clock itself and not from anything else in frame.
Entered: 10:51:00
